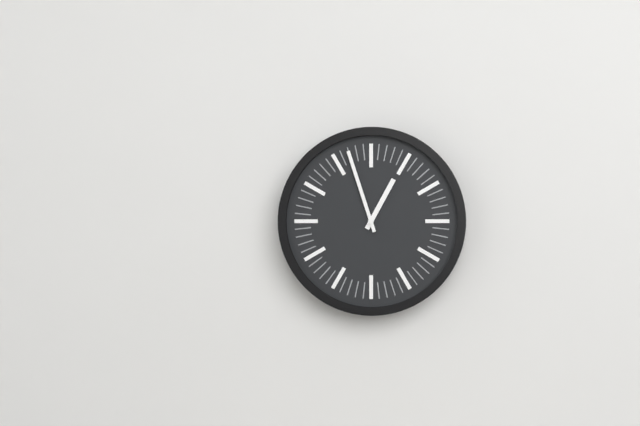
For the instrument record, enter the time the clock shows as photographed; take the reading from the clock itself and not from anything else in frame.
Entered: 12:57
